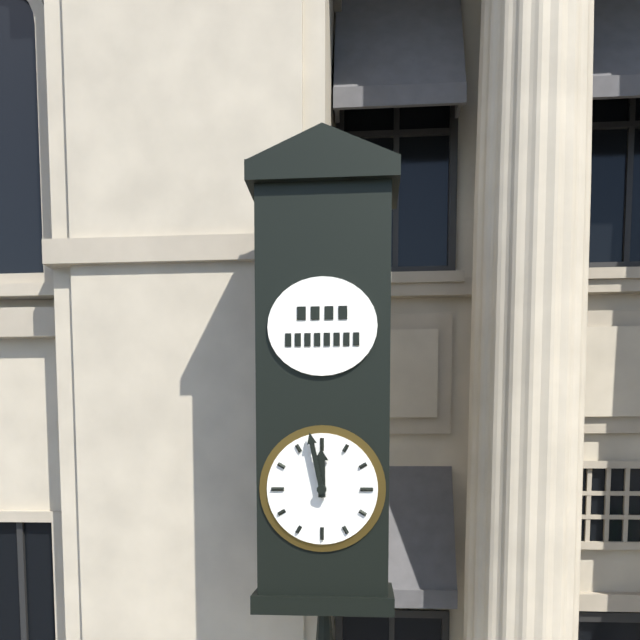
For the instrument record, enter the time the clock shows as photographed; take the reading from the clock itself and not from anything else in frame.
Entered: 11:58
